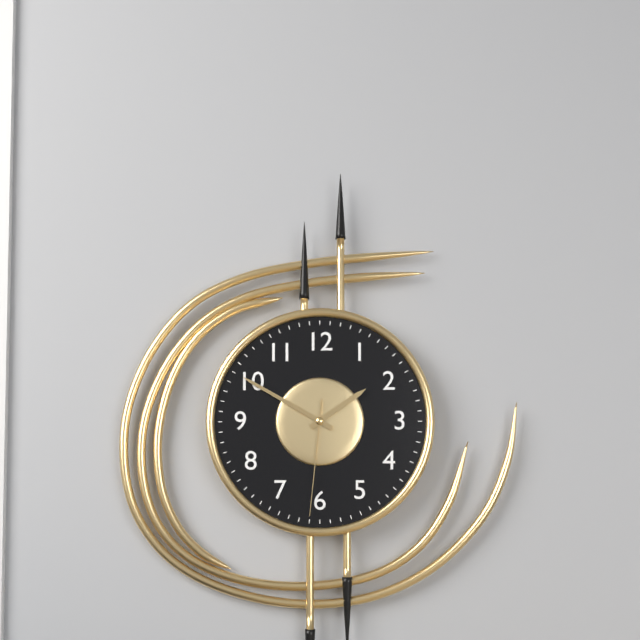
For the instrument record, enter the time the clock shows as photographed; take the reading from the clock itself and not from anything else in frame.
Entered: 1:50:31
